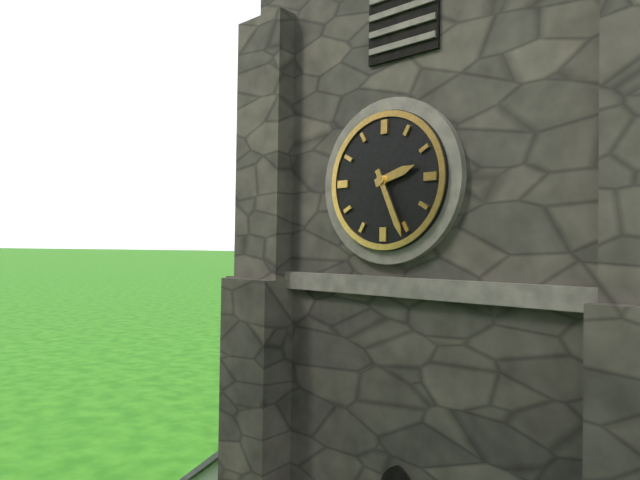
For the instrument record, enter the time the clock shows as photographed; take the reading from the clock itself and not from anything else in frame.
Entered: 2:26
